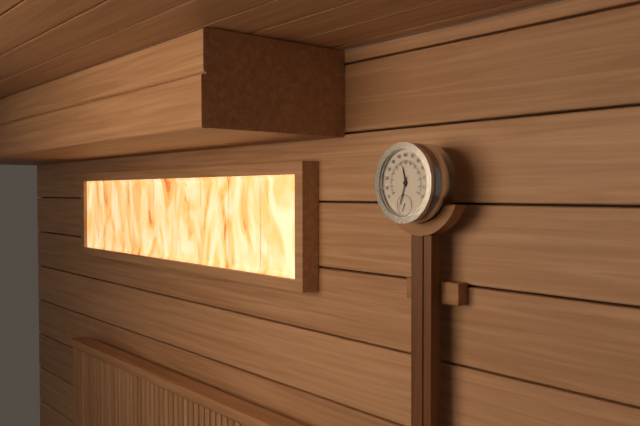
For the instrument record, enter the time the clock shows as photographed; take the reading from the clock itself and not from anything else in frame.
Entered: 11:33
